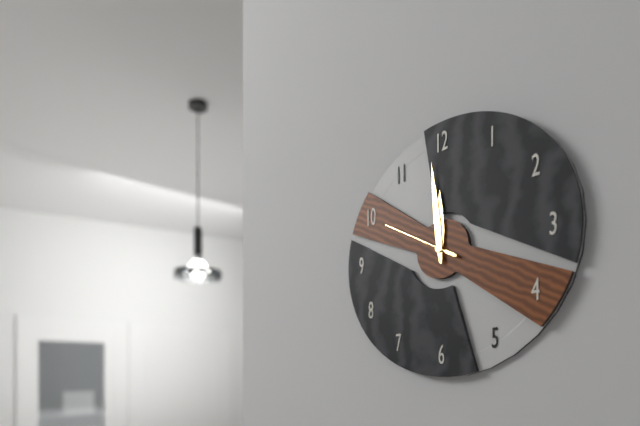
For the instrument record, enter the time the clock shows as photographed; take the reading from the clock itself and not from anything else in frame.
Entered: 11:59:50
